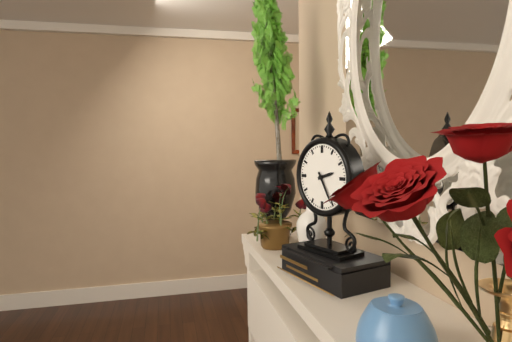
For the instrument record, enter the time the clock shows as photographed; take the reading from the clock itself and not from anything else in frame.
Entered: 2:25
